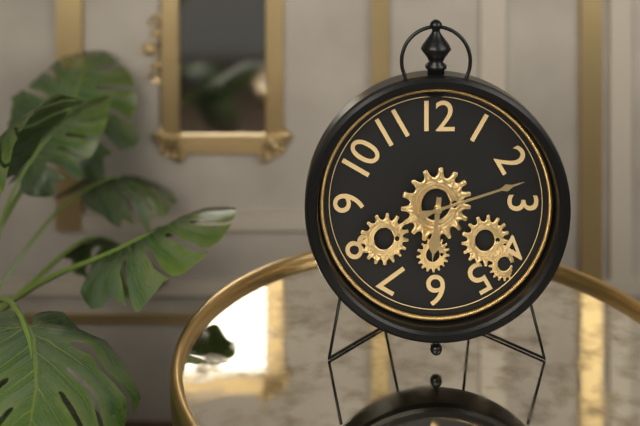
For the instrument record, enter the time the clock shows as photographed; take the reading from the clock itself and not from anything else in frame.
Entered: 6:12
